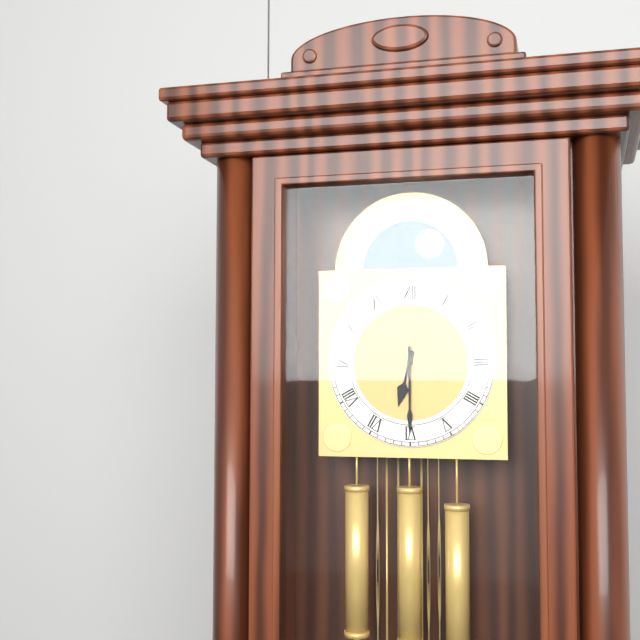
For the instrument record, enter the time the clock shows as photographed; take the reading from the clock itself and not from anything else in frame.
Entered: 6:30
